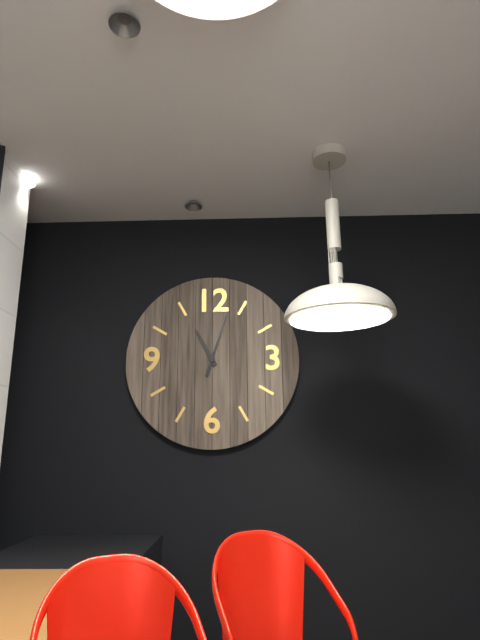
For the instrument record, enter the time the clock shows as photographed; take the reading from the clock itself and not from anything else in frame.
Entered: 11:03
